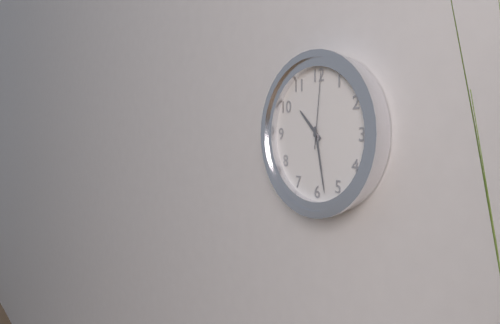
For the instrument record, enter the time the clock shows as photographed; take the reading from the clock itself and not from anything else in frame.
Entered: 10:28:01
